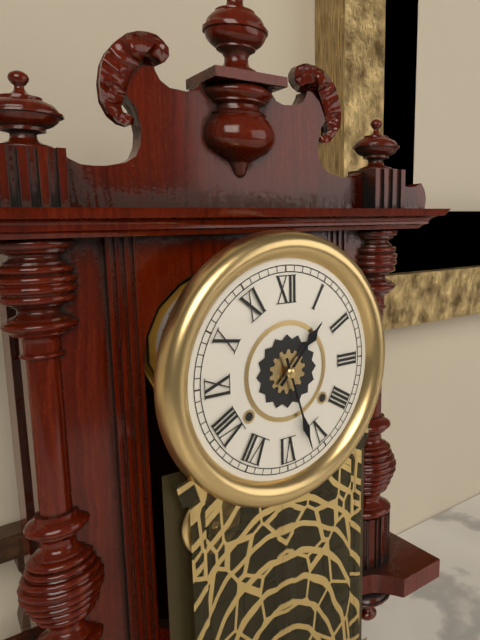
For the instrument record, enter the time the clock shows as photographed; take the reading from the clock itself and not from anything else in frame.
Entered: 1:27
